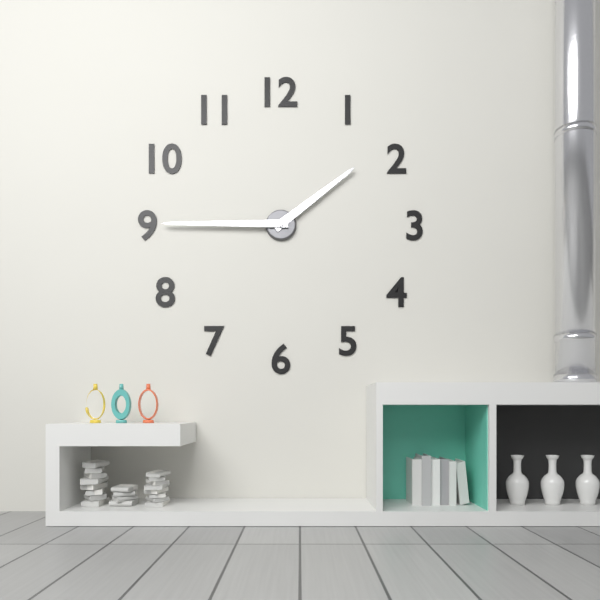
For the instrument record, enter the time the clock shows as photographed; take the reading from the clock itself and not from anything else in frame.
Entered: 1:45
